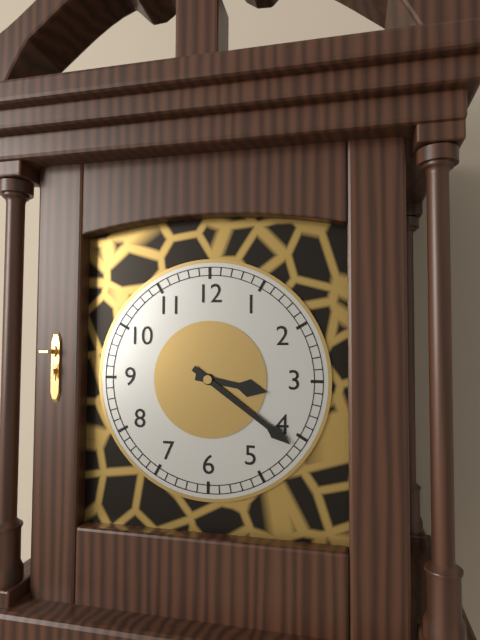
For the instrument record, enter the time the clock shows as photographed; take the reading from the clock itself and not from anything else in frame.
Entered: 3:21
